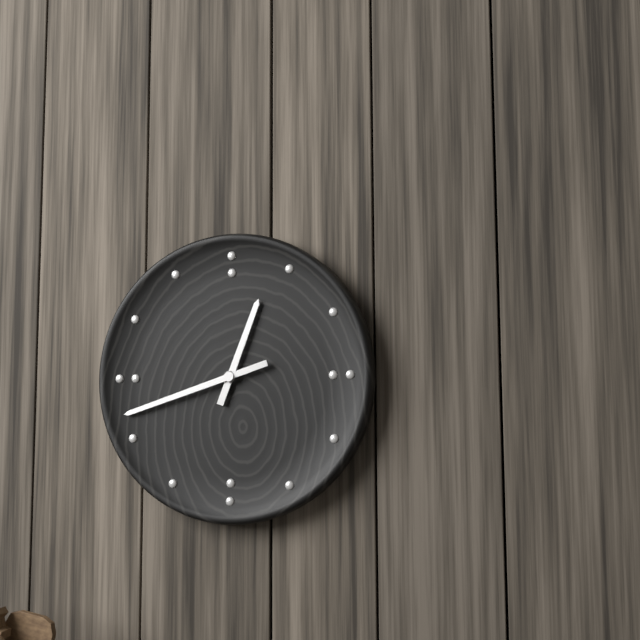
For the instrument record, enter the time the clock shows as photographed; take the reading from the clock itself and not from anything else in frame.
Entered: 12:42
